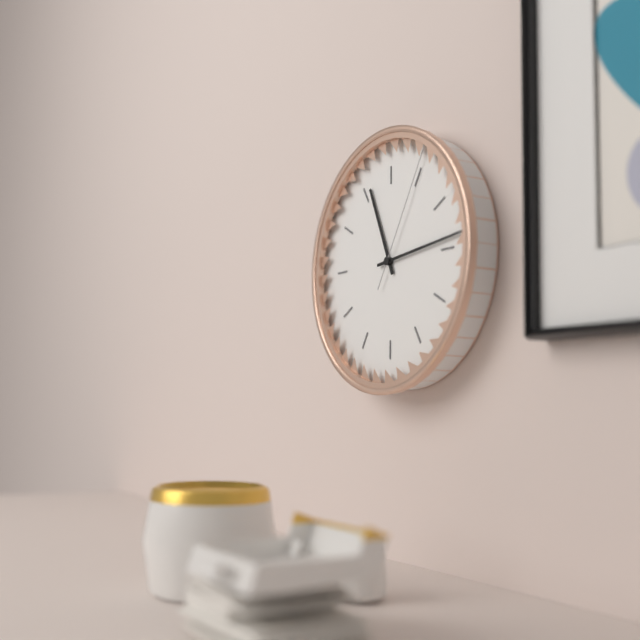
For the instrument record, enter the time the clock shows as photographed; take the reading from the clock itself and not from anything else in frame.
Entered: 11:14:05
